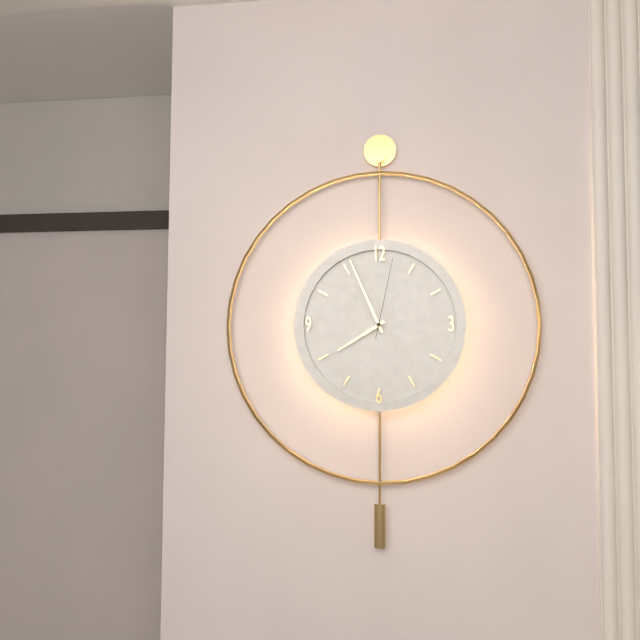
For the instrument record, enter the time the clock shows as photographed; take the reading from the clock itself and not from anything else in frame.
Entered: 7:56:02
